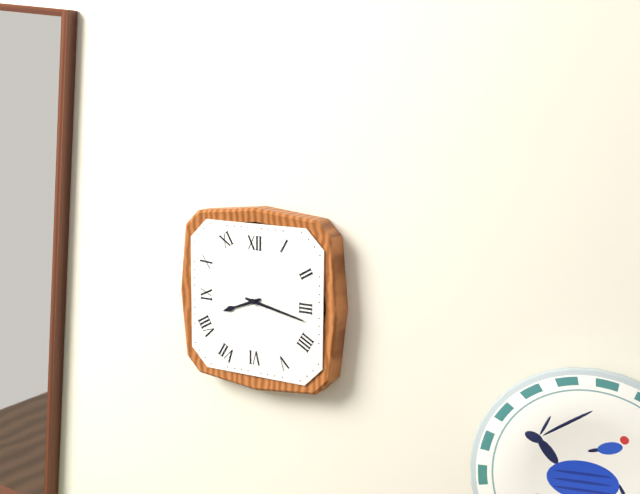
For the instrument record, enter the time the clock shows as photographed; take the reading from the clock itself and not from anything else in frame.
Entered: 8:17
